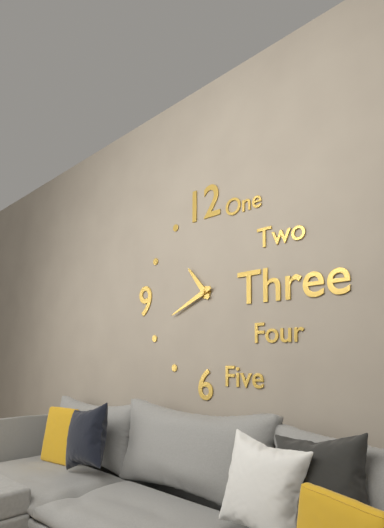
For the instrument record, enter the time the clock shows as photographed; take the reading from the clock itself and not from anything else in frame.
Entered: 10:41
